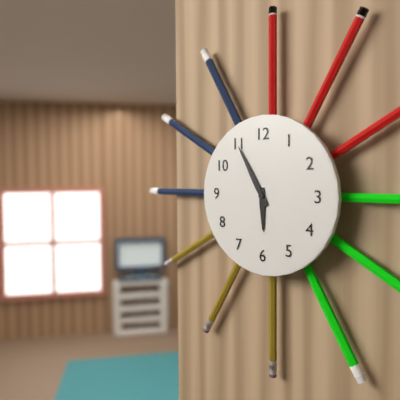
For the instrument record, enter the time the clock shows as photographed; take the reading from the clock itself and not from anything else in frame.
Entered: 5:55
